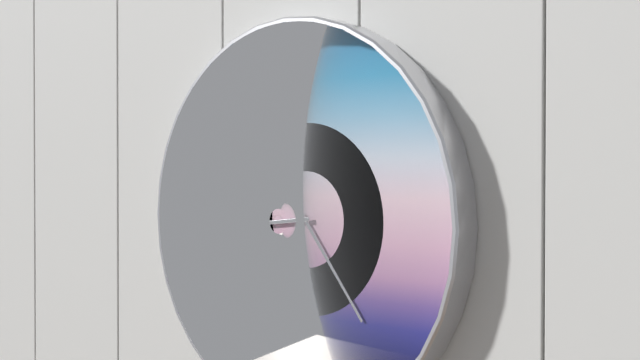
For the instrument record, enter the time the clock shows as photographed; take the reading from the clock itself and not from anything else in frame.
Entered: 4:44
